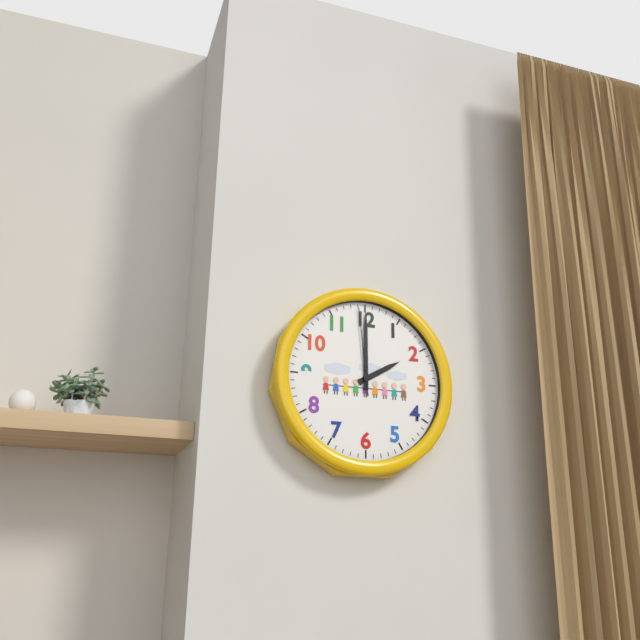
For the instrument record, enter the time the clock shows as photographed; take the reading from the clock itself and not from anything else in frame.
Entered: 2:00:59
